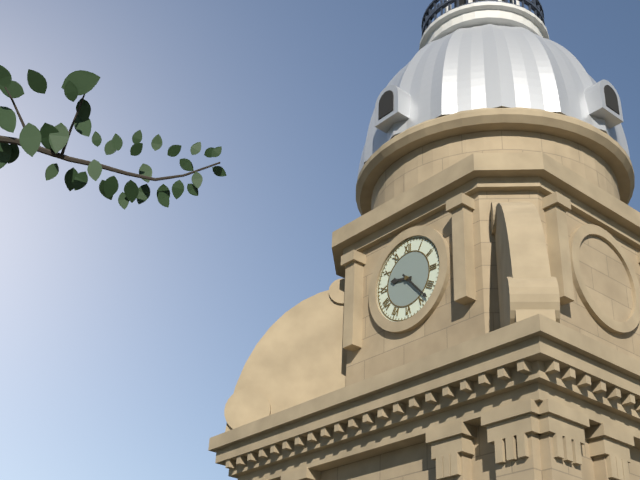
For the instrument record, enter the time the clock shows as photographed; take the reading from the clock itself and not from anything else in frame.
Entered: 9:23
